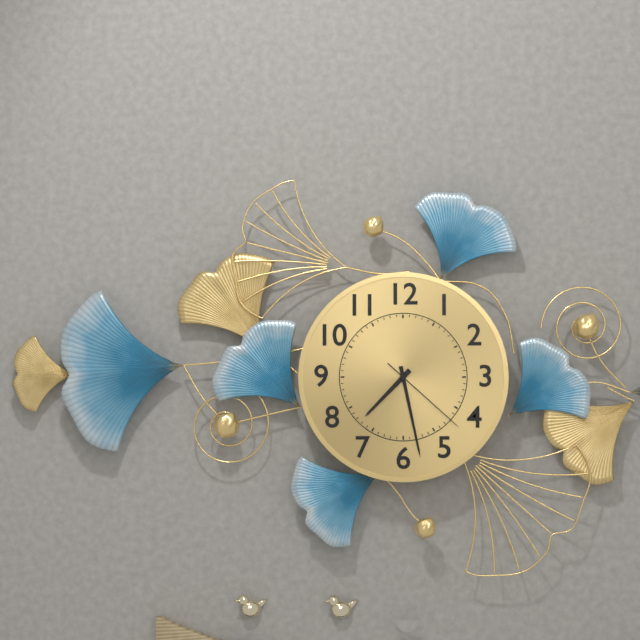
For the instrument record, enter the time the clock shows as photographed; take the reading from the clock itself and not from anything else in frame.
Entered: 7:28:22
